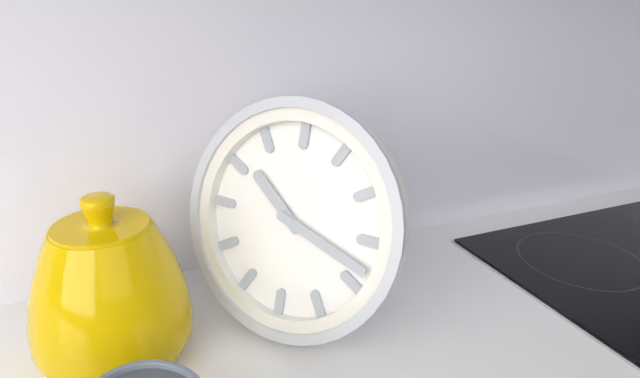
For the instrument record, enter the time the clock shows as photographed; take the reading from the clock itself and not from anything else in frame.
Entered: 10:18
